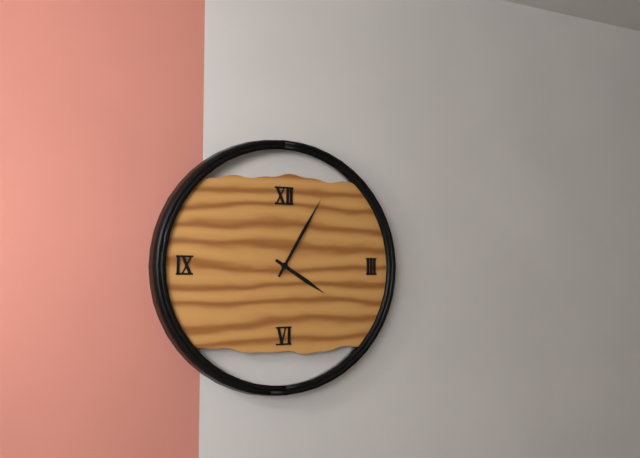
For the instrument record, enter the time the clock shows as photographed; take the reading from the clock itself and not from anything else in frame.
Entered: 4:05
